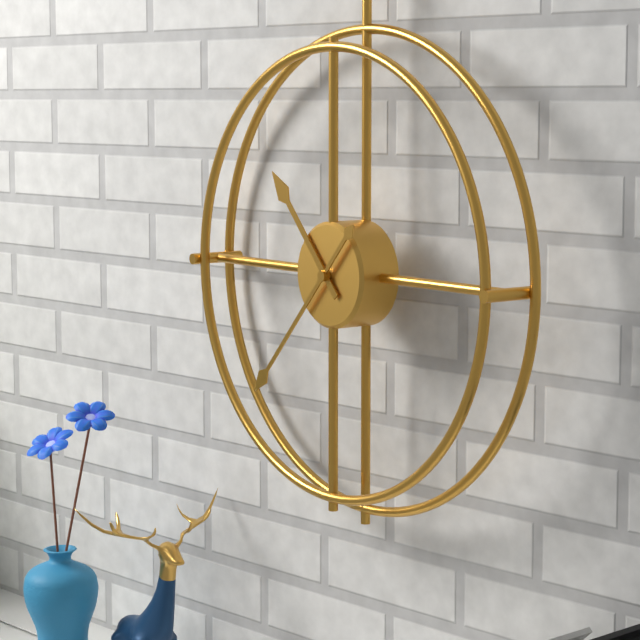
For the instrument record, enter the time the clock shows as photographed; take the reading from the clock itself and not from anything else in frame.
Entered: 10:37
